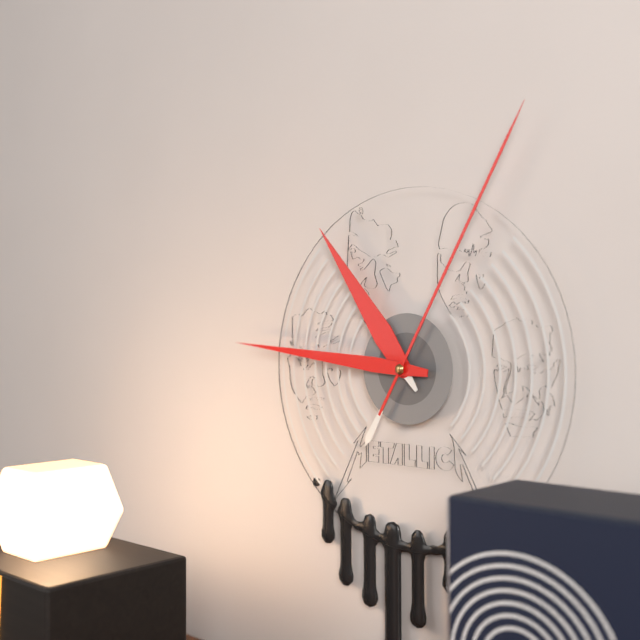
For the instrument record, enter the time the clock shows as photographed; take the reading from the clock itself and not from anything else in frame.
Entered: 10:46:05
